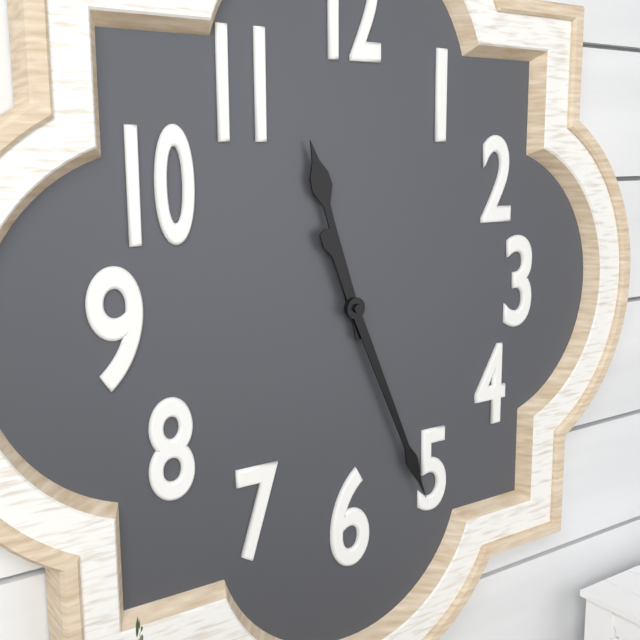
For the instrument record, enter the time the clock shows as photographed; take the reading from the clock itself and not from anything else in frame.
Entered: 11:26
